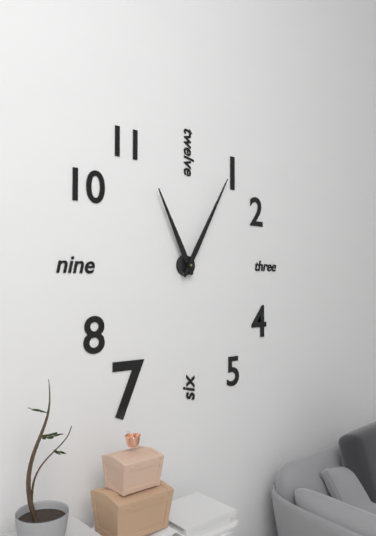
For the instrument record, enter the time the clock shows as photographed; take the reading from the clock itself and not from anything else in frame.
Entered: 11:05
